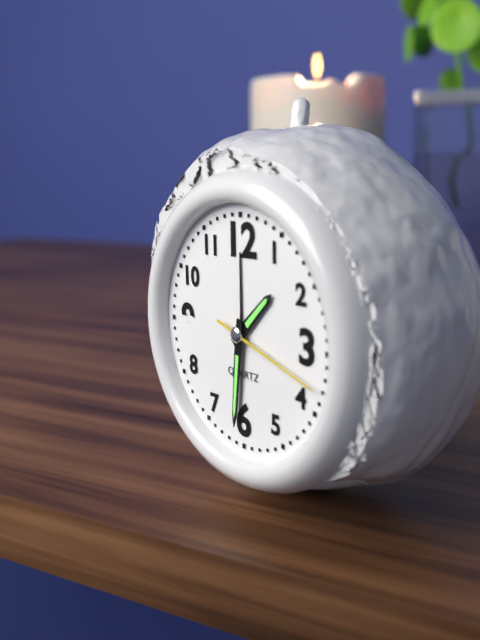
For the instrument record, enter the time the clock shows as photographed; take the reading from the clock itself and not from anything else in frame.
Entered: 1:31:18
